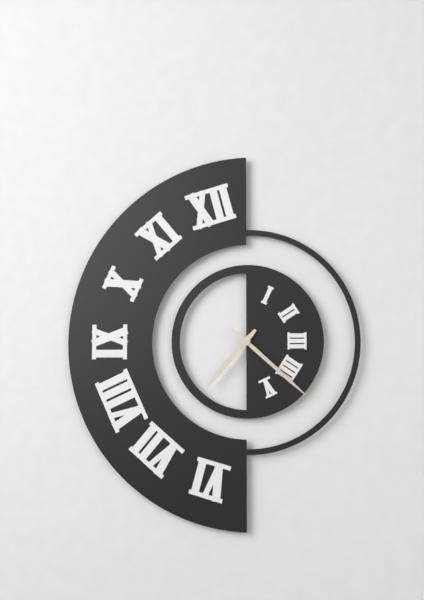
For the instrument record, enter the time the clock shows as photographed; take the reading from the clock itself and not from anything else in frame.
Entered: 7:22
